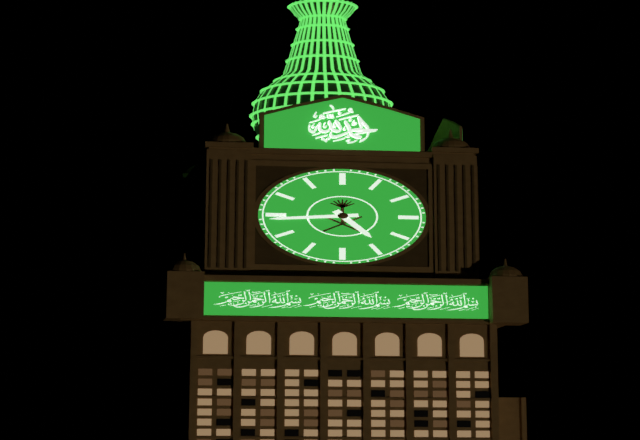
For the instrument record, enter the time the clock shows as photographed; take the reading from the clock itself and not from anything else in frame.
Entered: 4:44
